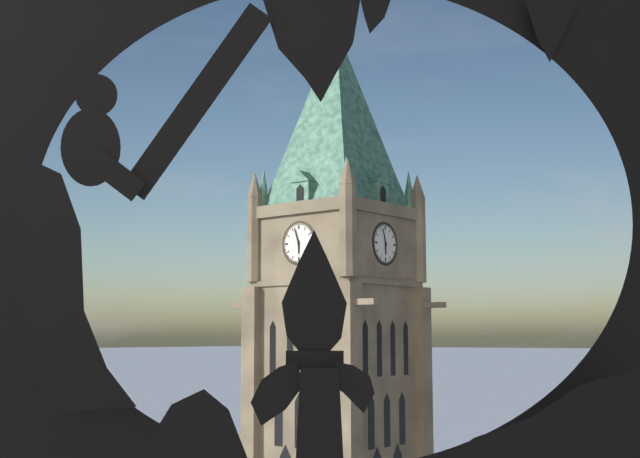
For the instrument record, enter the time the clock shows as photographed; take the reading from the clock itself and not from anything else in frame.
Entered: 5:57
